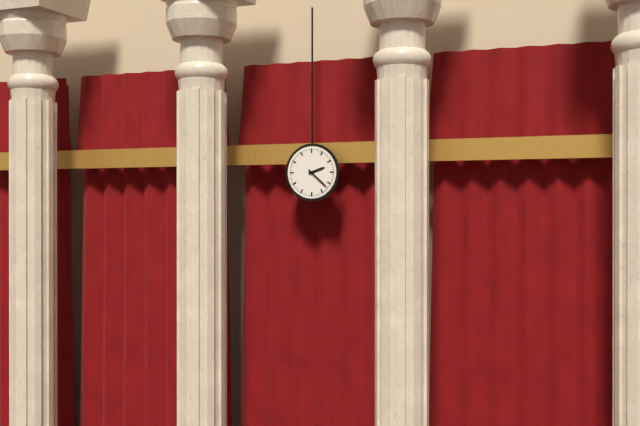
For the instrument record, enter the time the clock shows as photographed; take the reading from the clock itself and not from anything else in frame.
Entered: 2:22
